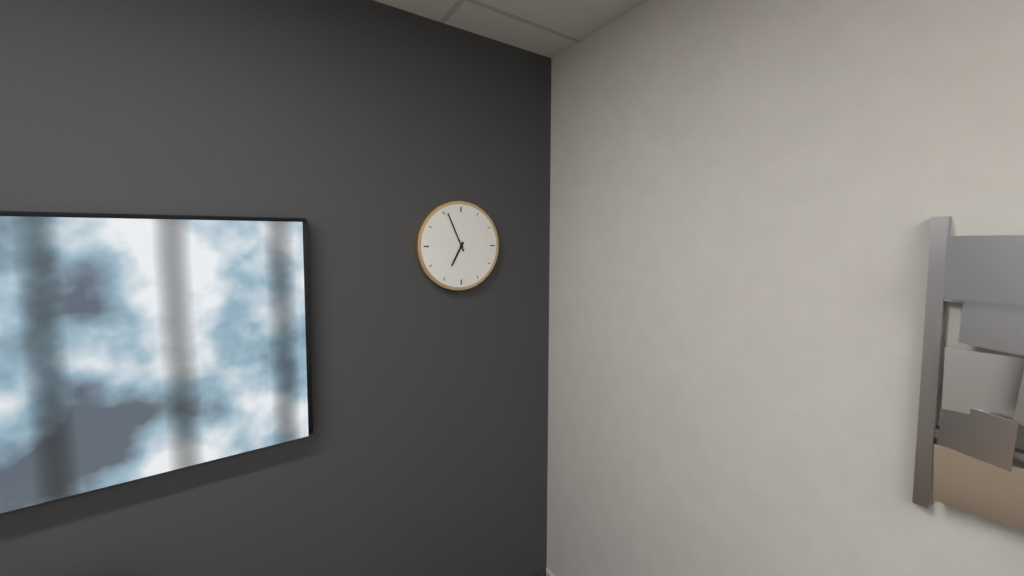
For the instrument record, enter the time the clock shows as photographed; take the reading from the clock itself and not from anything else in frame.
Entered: 6:56
